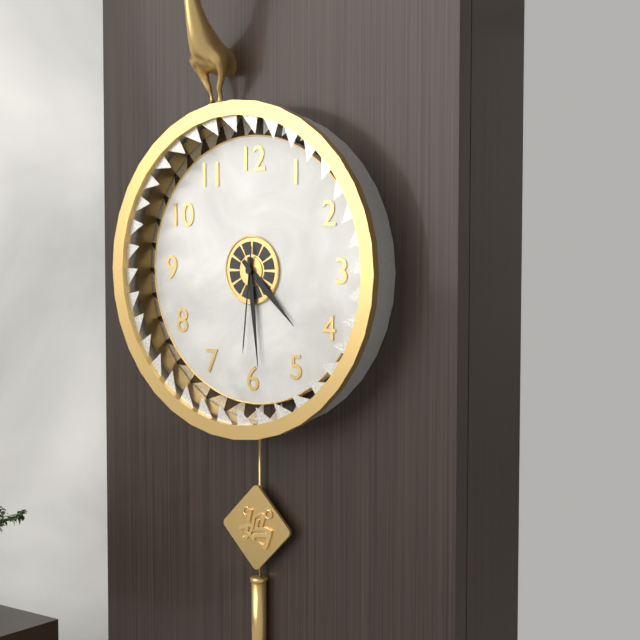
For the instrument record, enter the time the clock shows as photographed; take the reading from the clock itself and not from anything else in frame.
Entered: 4:29:31
